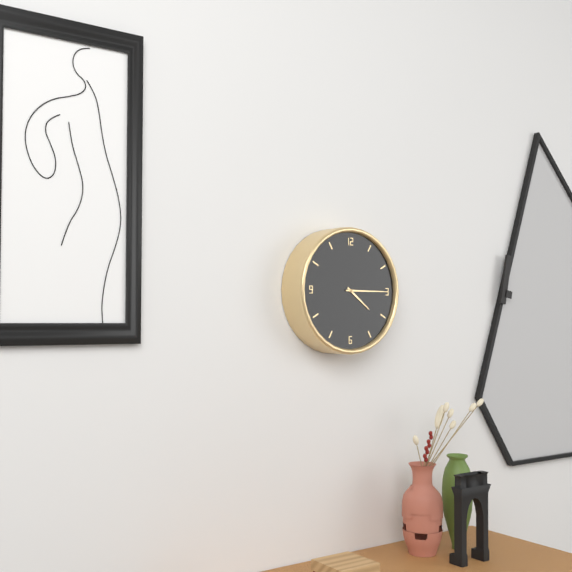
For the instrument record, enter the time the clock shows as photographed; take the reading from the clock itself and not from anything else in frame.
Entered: 4:15
